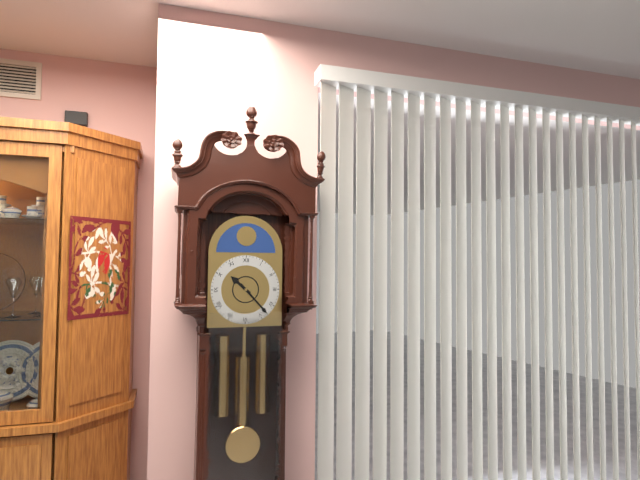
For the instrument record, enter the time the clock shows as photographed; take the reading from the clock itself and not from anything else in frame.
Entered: 10:23
